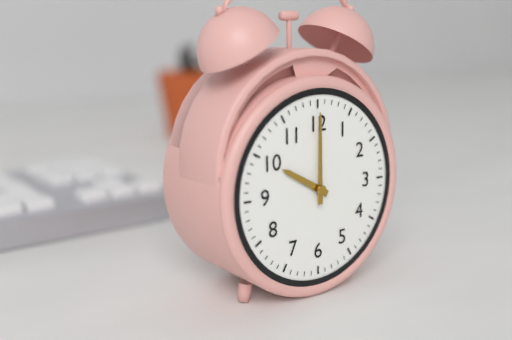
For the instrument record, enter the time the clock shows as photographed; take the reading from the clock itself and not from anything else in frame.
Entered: 10:00
